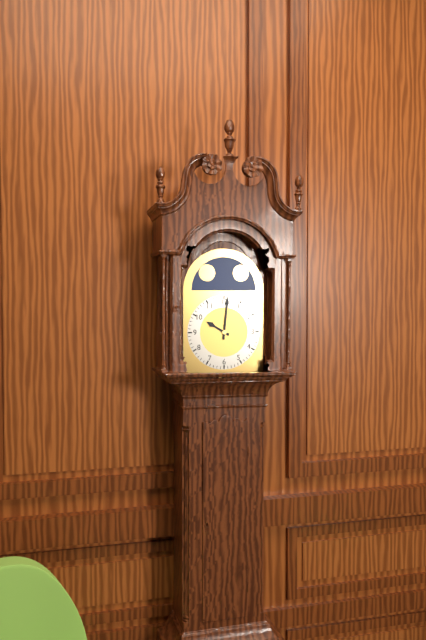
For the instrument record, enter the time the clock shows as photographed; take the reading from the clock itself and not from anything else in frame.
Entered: 10:01
